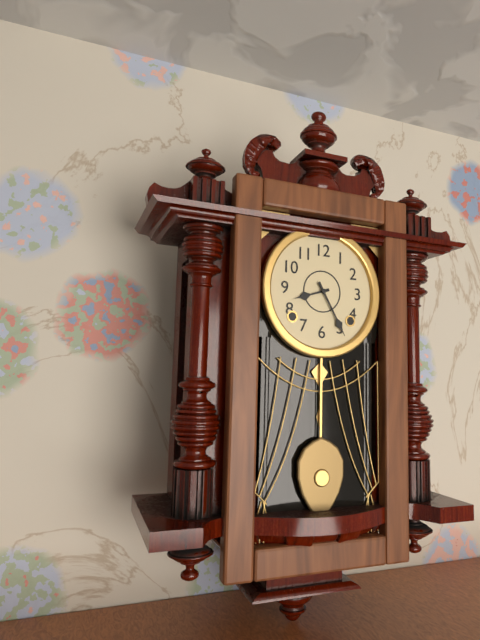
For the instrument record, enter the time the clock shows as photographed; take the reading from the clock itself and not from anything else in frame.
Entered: 8:25
